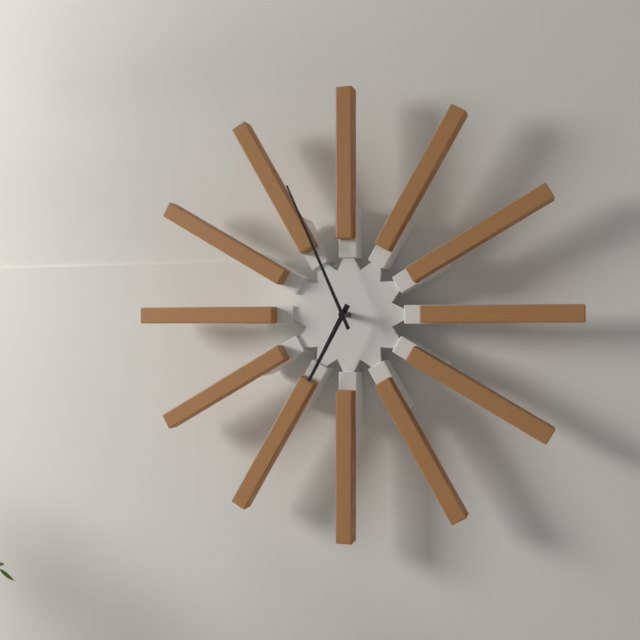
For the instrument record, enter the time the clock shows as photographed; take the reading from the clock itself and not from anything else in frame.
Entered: 6:56
